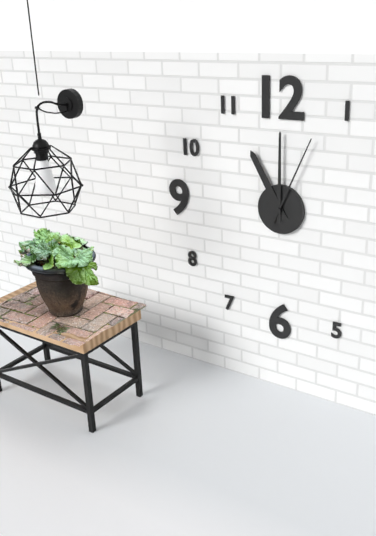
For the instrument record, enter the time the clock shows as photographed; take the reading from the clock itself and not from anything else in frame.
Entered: 11:00:04
